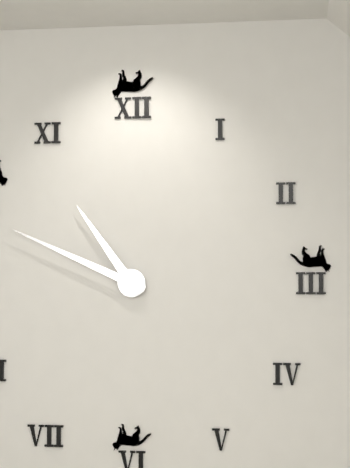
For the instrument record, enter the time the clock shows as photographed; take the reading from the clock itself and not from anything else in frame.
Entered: 10:49
